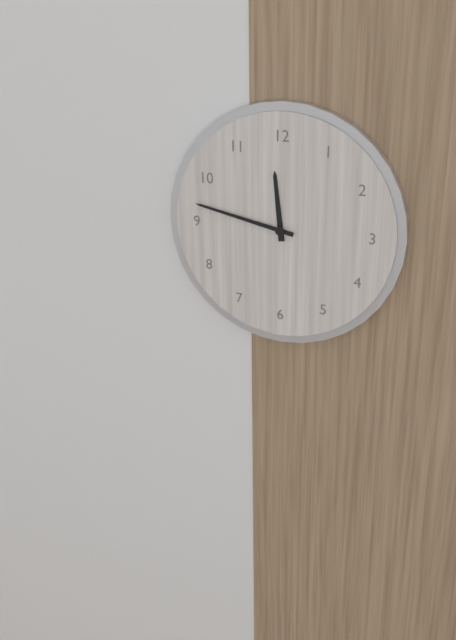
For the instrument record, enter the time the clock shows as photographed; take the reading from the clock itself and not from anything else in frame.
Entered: 11:47
